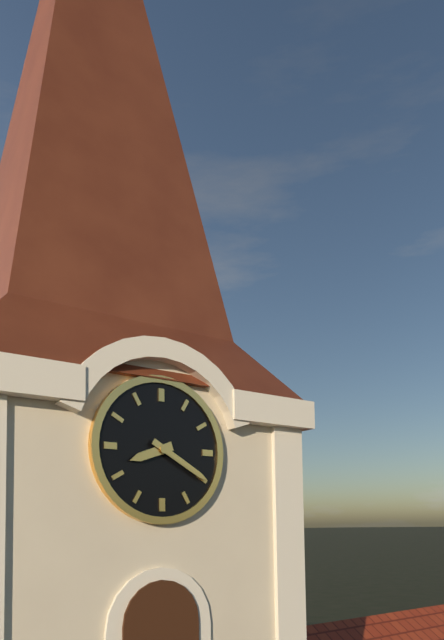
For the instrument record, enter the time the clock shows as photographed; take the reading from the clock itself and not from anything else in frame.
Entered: 8:20
